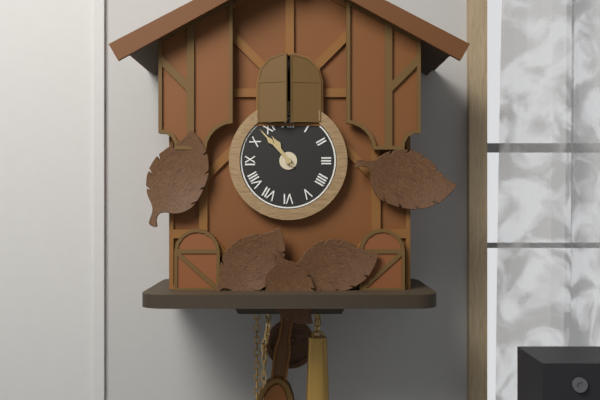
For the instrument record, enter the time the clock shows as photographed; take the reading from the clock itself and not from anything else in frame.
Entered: 10:53
